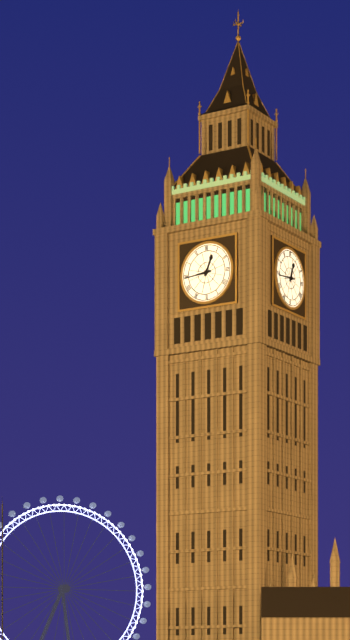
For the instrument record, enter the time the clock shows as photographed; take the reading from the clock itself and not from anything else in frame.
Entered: 12:44
